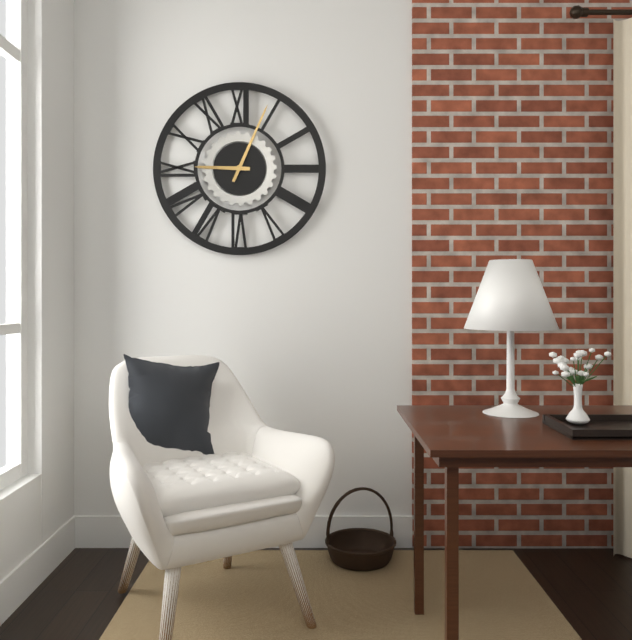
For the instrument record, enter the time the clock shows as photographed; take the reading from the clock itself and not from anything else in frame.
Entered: 9:04
